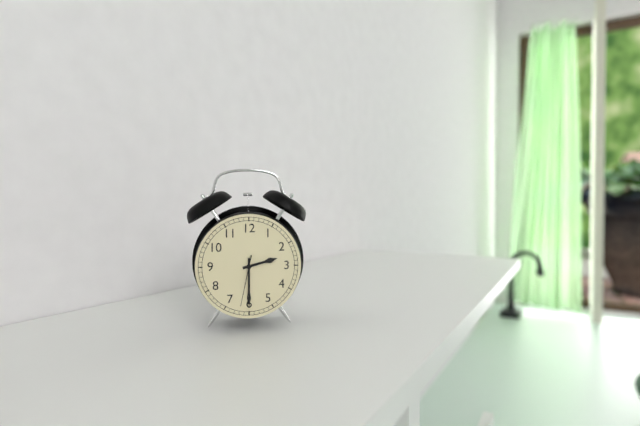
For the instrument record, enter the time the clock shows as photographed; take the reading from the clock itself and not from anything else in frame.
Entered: 2:30:32
